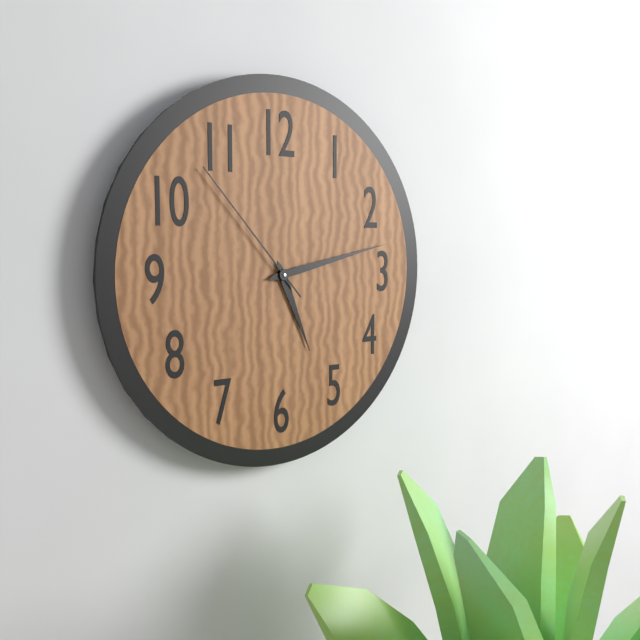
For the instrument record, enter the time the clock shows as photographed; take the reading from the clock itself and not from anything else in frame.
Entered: 5:13:53
